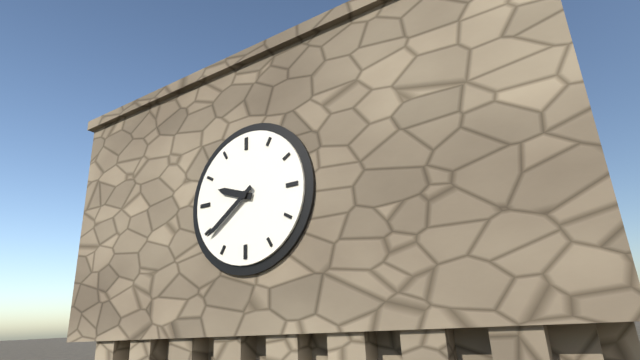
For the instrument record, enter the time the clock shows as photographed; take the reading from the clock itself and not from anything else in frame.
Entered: 9:39
